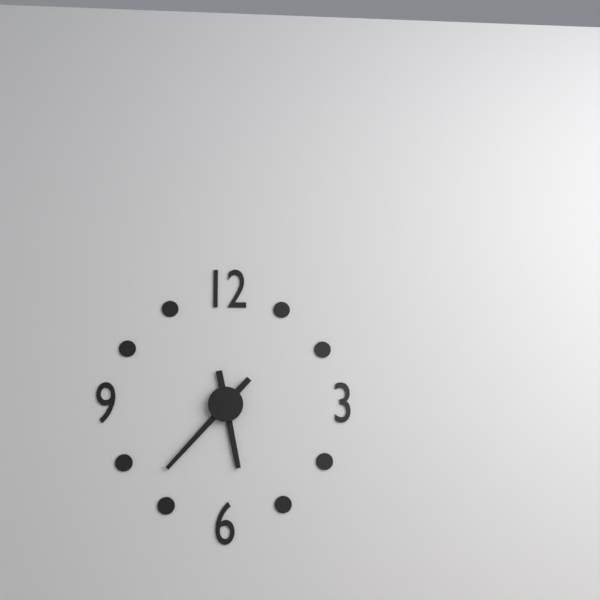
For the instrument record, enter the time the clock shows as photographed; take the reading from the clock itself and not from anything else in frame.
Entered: 5:37
